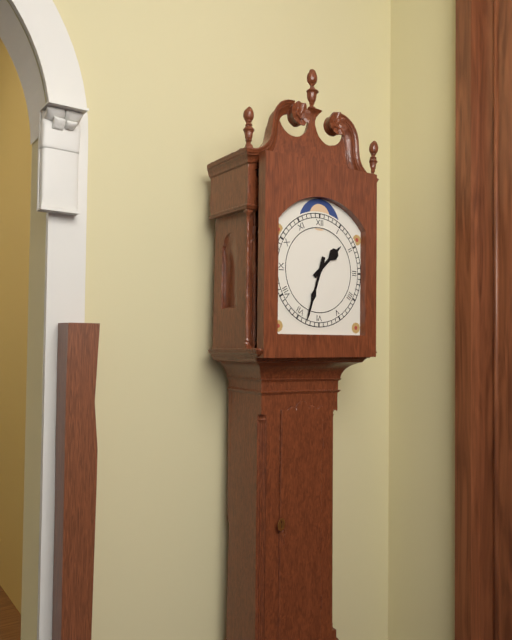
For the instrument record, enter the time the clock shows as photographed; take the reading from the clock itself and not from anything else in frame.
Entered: 1:33
